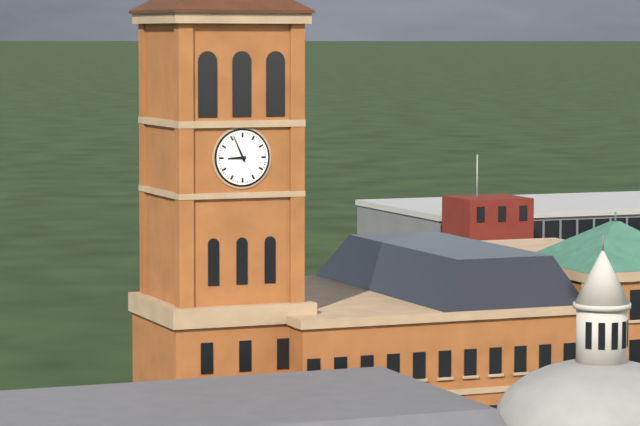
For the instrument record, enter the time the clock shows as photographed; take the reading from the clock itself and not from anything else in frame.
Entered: 8:56
